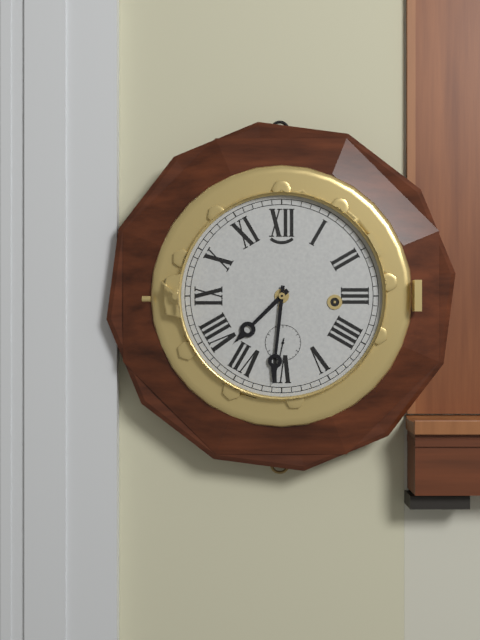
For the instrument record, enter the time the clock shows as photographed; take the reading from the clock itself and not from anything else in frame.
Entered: 7:31
